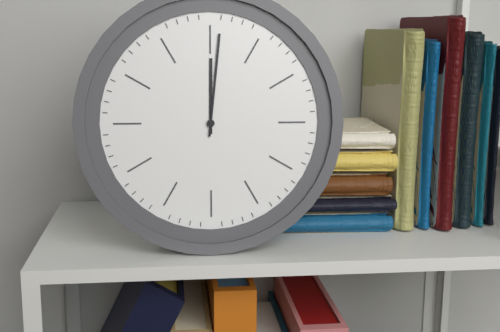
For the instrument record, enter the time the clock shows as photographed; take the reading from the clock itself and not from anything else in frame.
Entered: 12:01
